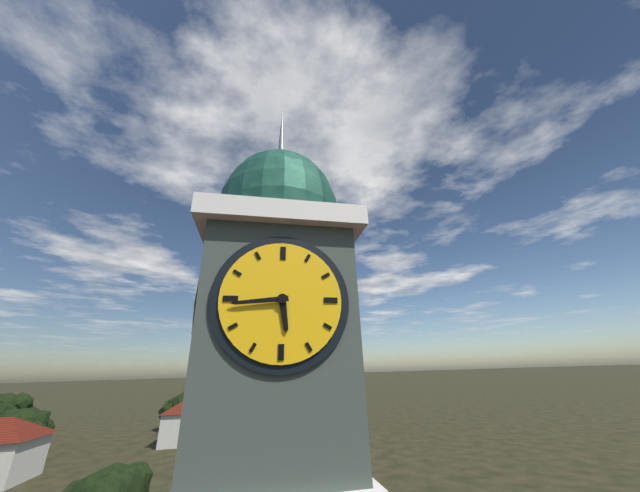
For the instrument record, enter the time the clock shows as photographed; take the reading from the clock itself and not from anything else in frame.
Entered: 5:44
